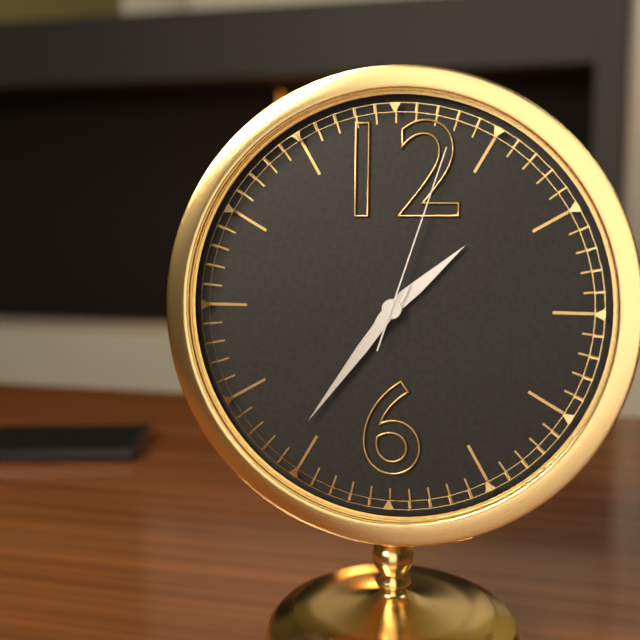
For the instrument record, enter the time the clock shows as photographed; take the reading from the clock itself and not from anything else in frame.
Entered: 1:36:03
